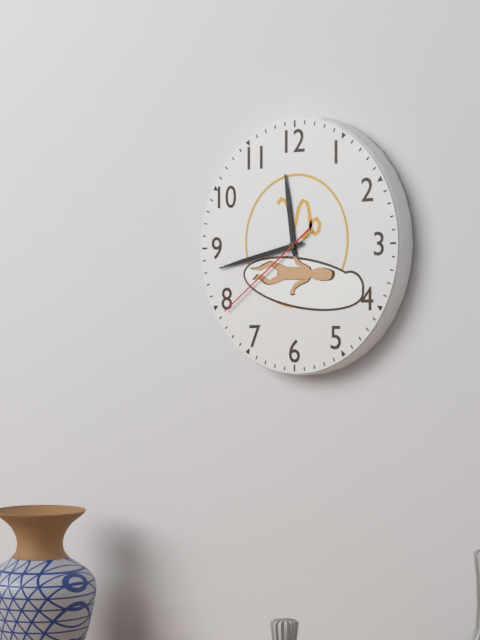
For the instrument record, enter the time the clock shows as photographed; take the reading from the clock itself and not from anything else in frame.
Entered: 11:43:39
